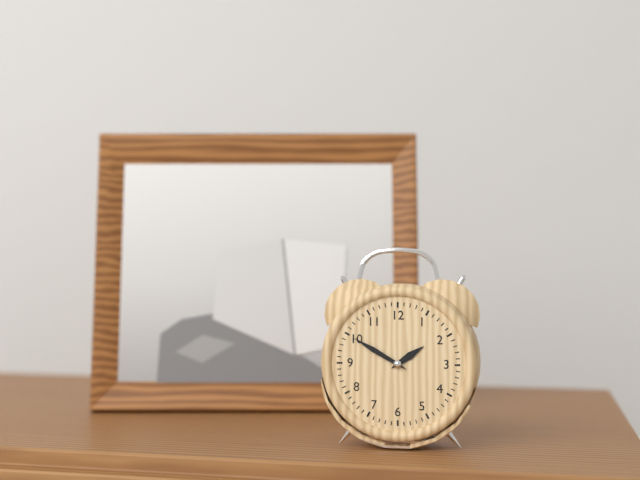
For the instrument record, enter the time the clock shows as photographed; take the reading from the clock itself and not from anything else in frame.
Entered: 1:50
